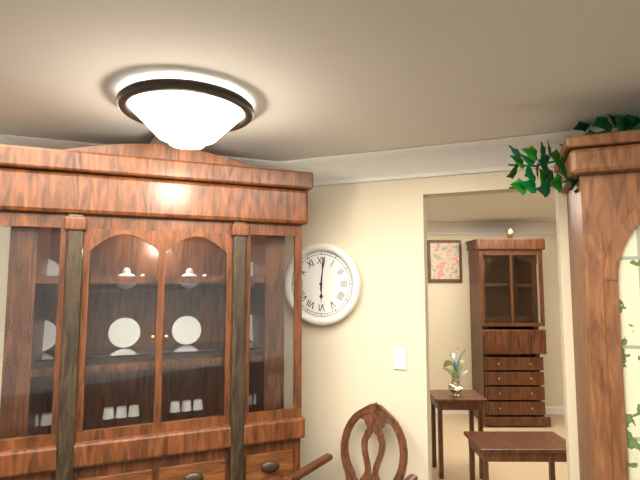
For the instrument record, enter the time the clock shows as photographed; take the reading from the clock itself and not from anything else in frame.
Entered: 6:01
